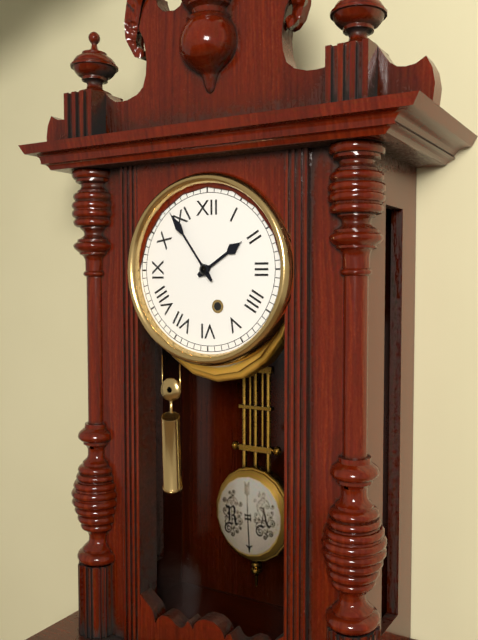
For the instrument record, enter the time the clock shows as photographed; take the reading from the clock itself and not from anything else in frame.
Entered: 1:54
